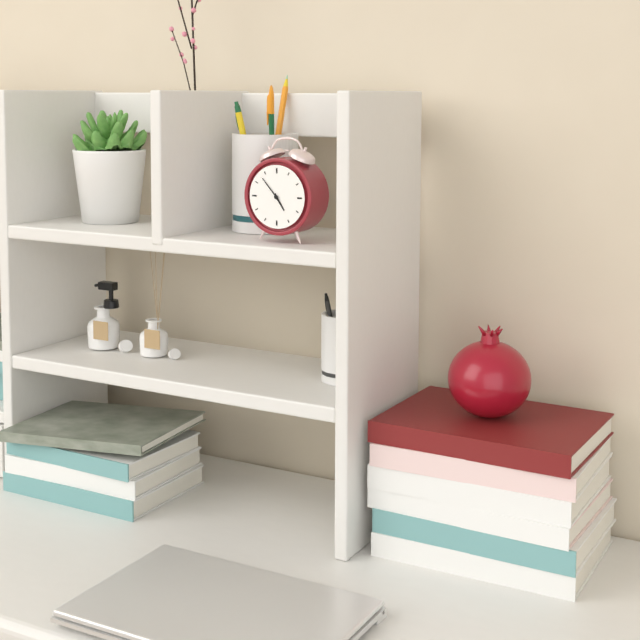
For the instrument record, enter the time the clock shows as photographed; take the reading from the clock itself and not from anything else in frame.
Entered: 4:53
